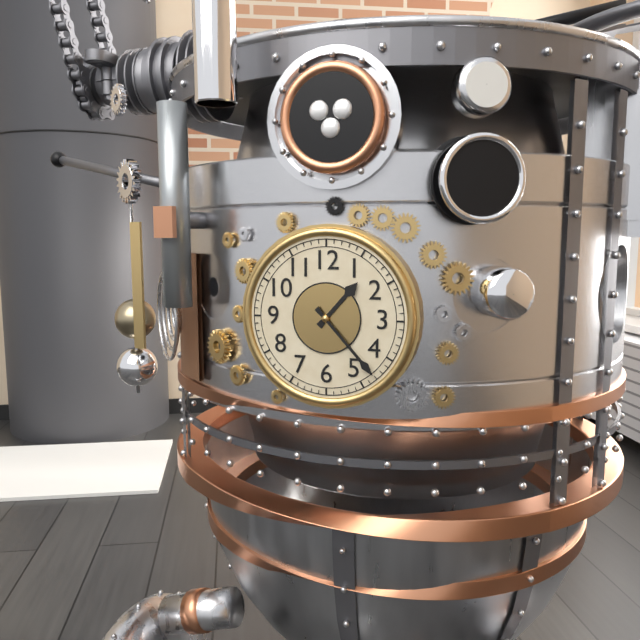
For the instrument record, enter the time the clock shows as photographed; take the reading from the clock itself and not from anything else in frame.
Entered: 1:23
